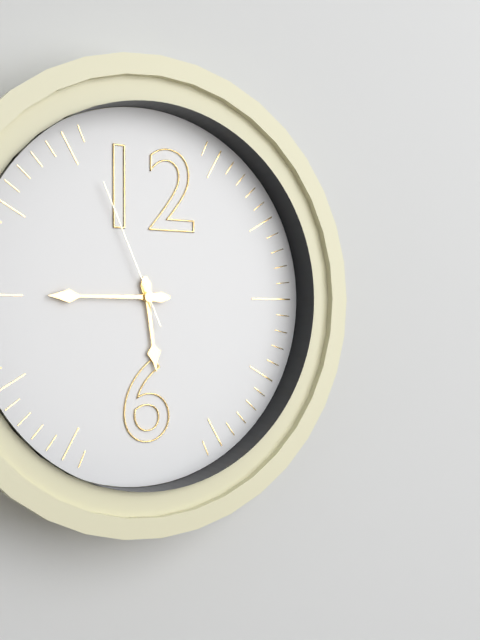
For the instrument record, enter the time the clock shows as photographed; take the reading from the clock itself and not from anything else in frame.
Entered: 5:45:56
